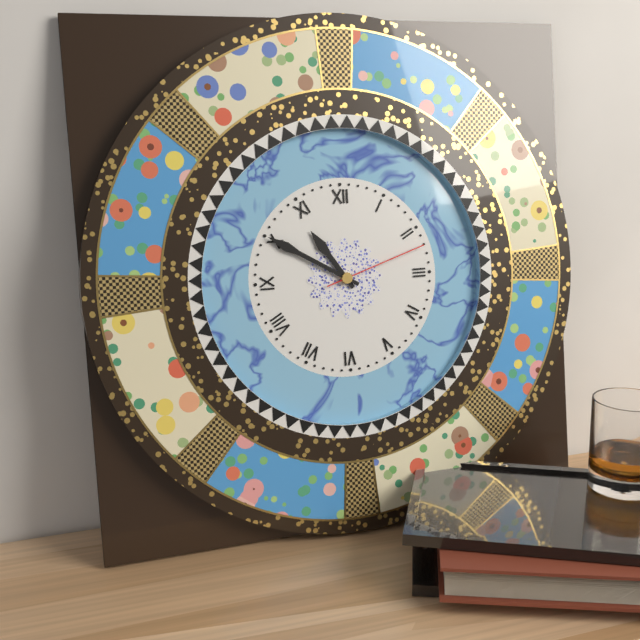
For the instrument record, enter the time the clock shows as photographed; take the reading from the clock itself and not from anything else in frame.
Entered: 10:50:12
